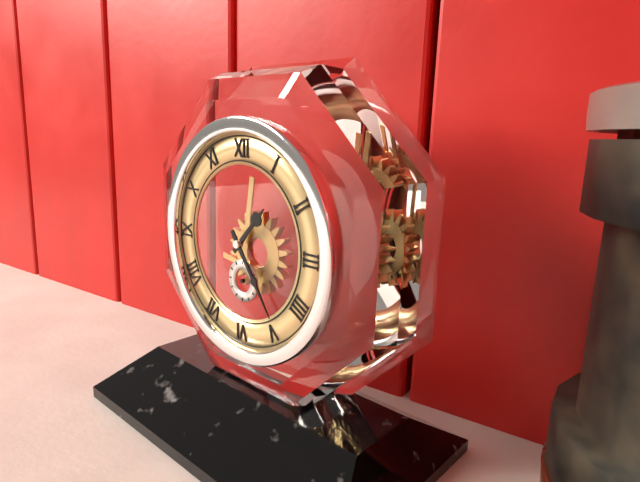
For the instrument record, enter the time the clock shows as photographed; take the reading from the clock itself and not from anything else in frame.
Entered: 1:24
